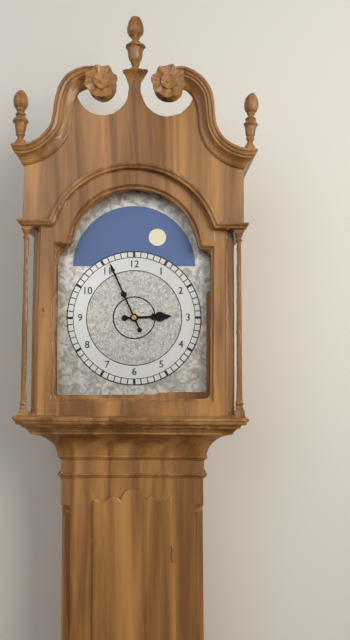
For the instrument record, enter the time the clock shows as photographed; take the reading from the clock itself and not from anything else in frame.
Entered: 2:56
